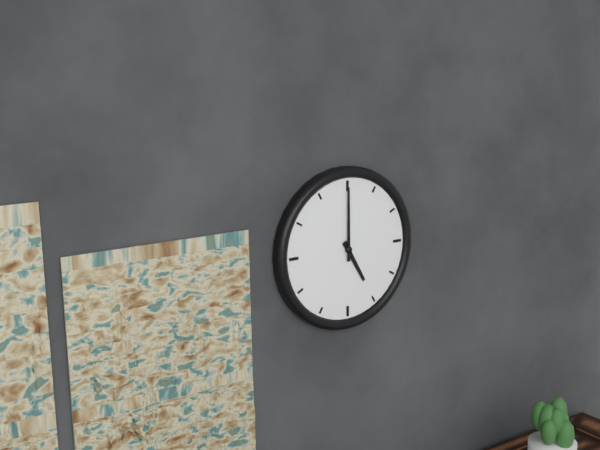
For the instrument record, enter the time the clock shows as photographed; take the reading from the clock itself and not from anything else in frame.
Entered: 5:00
